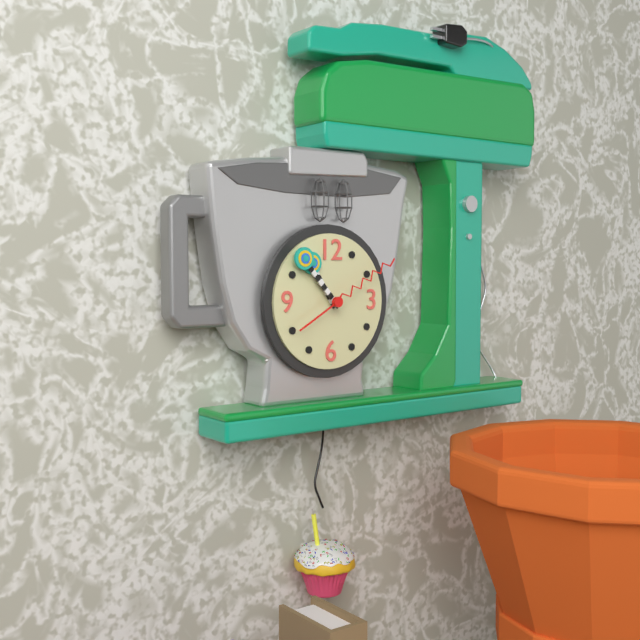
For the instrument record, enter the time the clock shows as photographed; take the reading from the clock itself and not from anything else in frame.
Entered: 10:53:10
